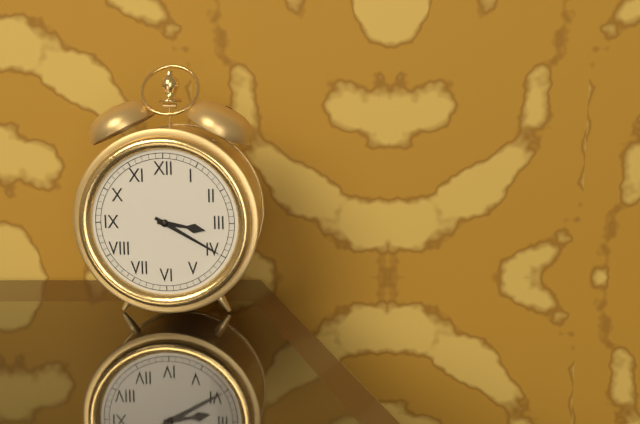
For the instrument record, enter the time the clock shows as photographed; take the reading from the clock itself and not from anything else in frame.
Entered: 3:20
